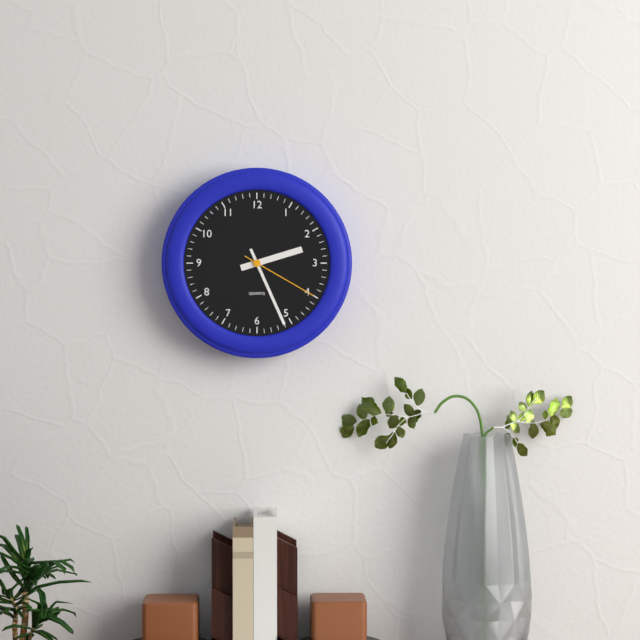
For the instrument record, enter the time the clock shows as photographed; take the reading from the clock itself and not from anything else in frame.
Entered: 2:26:20
